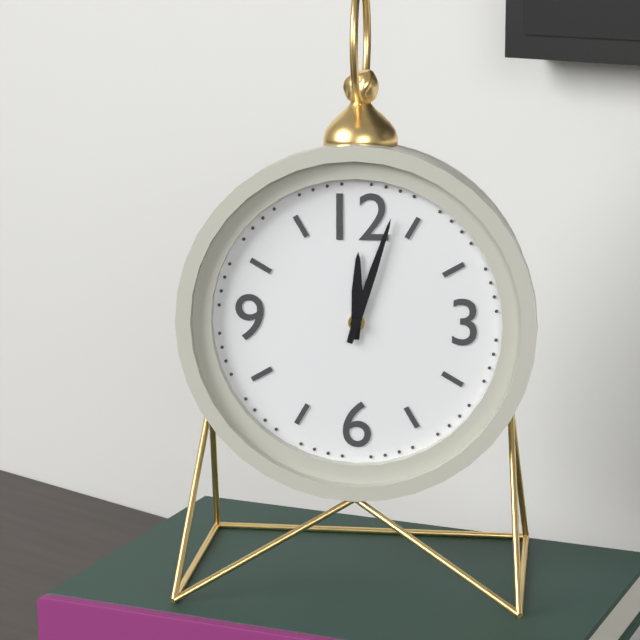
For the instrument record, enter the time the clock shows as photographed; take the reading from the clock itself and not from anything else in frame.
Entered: 12:03
